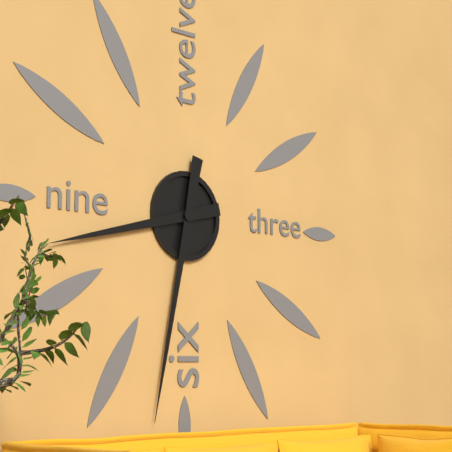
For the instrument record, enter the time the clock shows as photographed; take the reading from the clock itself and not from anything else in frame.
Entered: 8:32
